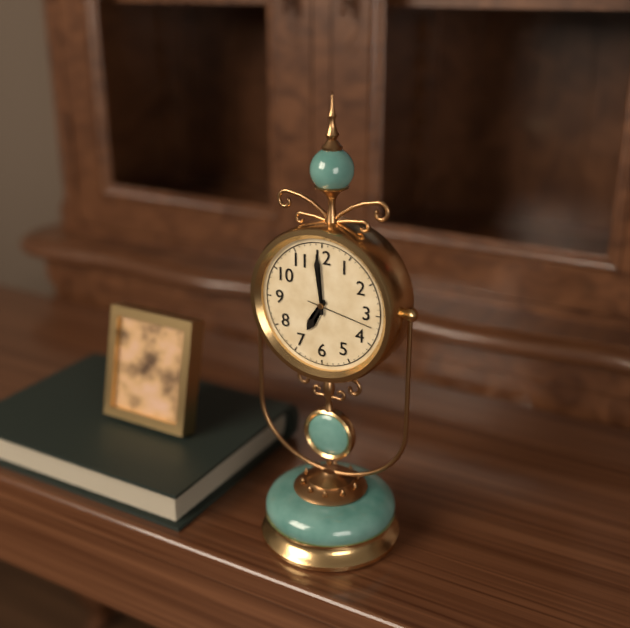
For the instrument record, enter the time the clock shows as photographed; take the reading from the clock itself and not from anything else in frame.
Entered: 6:59:17
